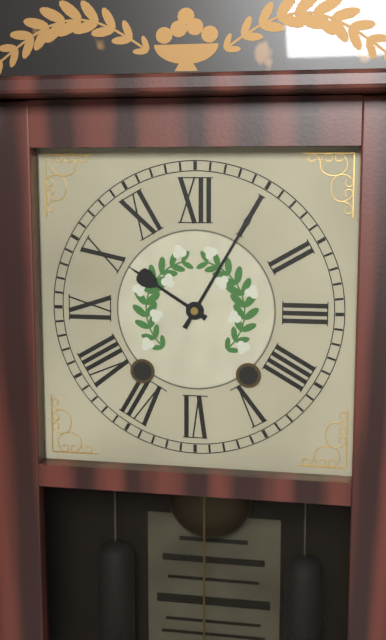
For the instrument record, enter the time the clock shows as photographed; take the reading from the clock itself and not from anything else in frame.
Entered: 10:05
